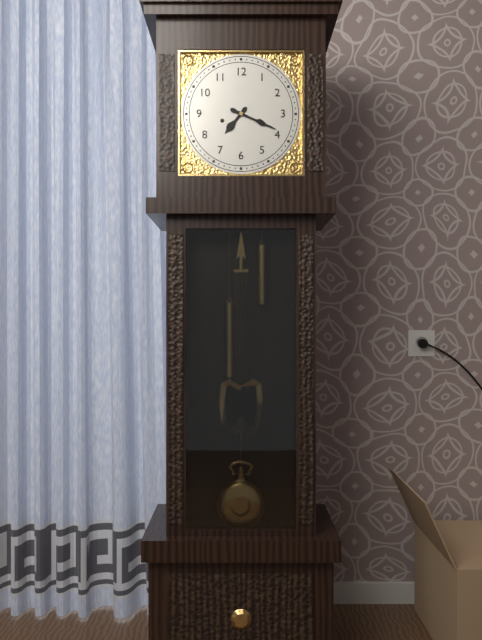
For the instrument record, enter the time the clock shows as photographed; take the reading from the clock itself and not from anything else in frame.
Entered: 7:19
